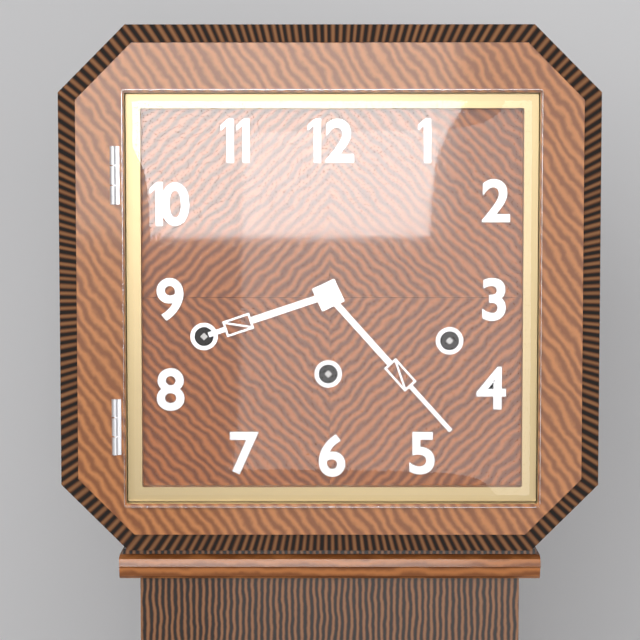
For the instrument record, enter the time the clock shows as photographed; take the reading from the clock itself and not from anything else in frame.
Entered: 8:23
